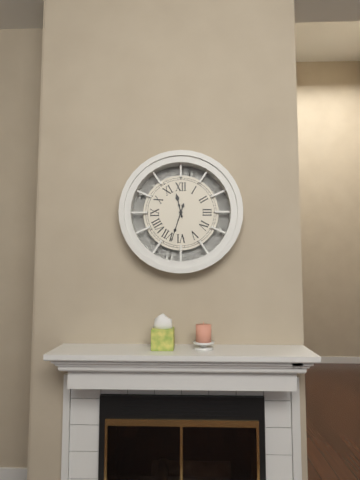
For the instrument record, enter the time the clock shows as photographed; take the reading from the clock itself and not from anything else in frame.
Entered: 11:33
